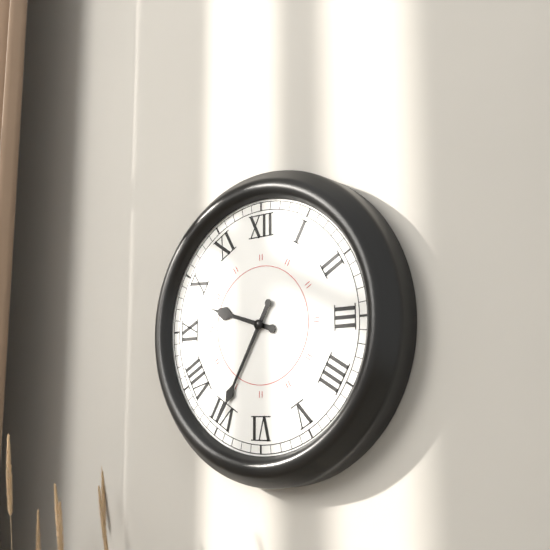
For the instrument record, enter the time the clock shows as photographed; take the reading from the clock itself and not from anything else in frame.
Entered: 9:35
